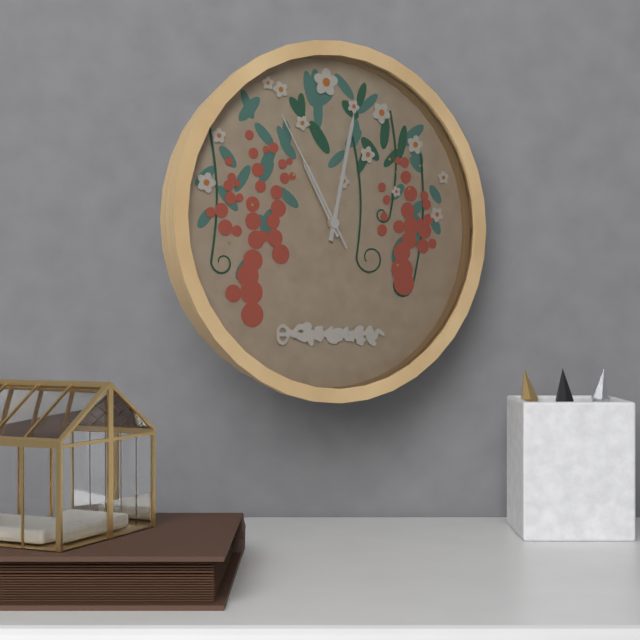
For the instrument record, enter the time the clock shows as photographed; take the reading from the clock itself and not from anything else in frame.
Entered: 11:02:55
